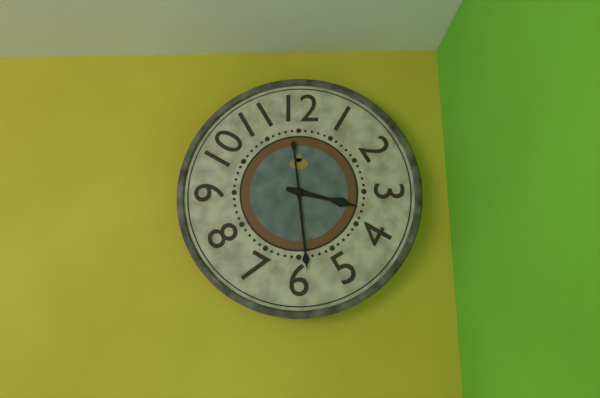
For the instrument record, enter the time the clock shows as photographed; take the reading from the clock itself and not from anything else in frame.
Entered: 3:29
